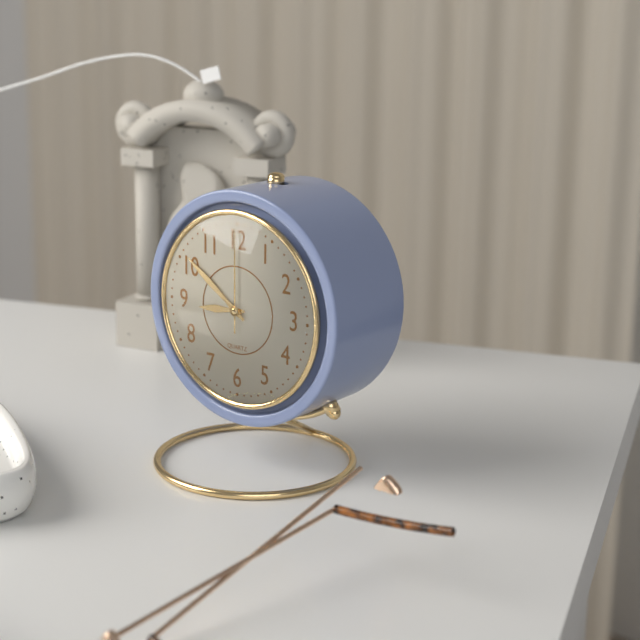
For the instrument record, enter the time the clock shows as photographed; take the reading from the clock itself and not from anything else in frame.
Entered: 8:51:00
